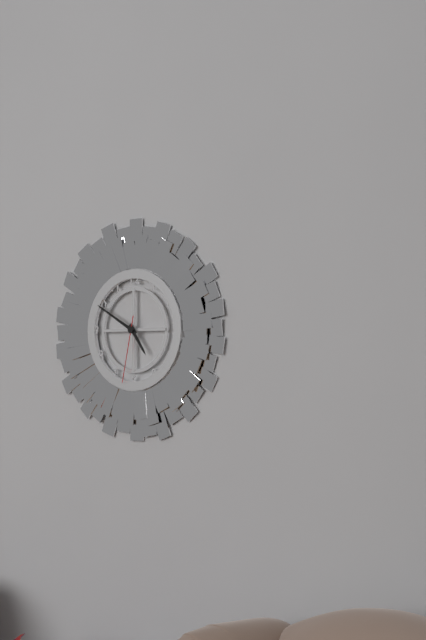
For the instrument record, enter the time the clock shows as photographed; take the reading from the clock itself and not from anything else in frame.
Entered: 4:50:32
